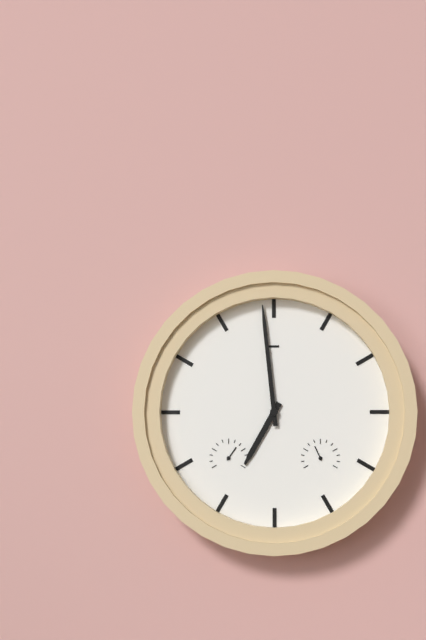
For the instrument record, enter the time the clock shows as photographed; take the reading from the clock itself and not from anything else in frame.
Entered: 6:59
